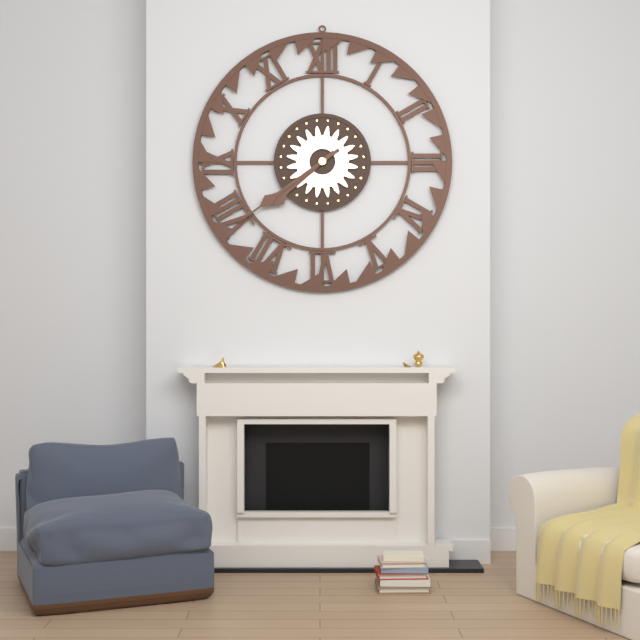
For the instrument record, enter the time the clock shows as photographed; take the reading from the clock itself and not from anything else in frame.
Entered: 7:39
